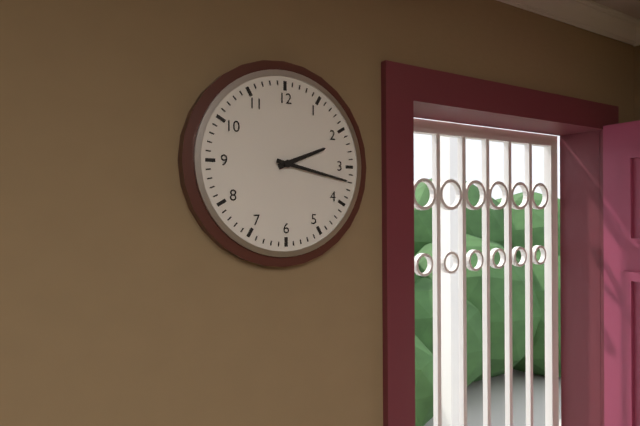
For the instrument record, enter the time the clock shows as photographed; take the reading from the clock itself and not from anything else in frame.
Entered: 2:17
